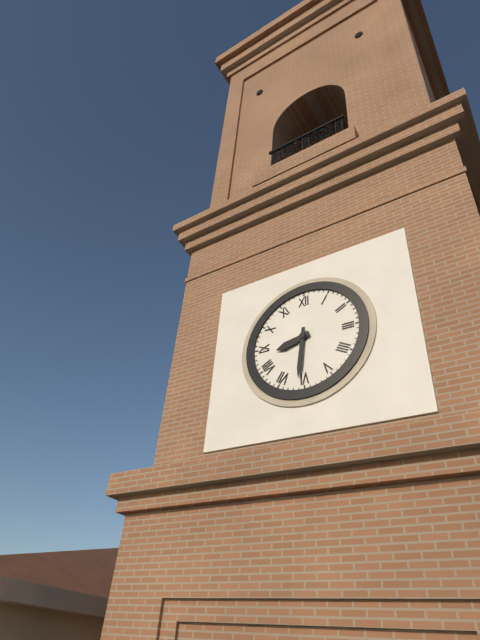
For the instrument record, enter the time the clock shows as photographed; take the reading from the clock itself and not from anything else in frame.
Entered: 8:31
